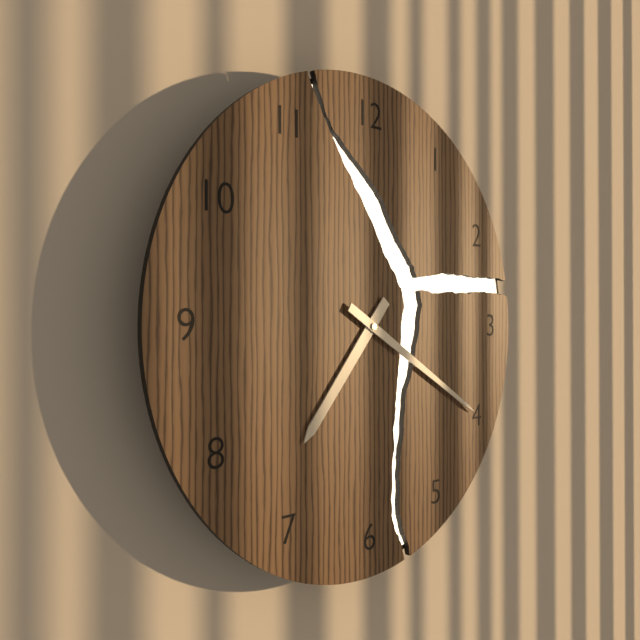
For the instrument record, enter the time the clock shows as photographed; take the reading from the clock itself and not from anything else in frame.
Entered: 7:20
